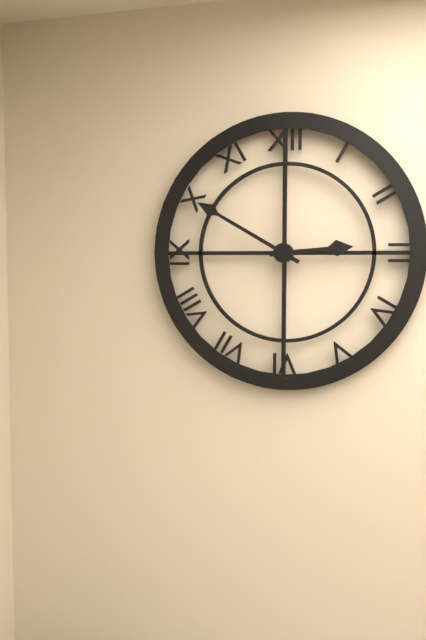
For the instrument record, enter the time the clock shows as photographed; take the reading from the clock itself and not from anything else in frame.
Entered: 2:50
